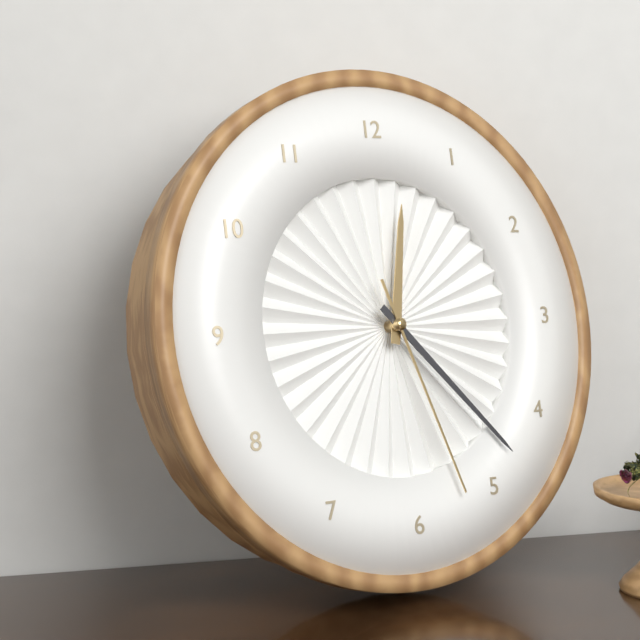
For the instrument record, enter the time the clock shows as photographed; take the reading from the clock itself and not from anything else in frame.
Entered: 12:23:27
